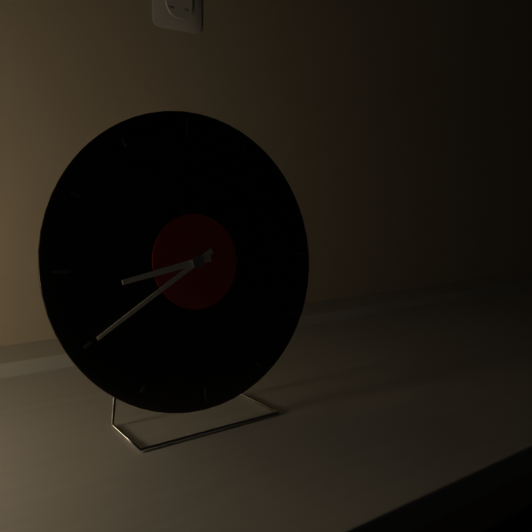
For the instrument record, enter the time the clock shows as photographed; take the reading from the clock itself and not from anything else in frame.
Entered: 8:40
